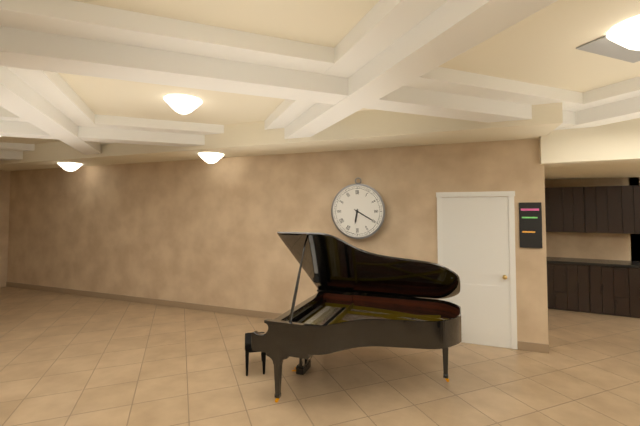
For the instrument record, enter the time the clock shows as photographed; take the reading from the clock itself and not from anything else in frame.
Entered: 6:20
